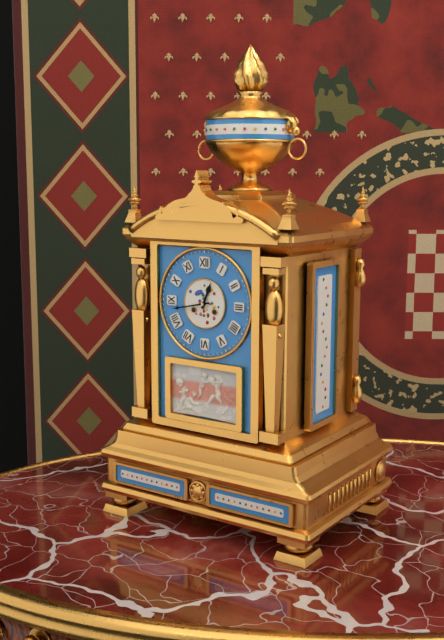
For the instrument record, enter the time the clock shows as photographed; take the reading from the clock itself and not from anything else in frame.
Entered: 12:43
